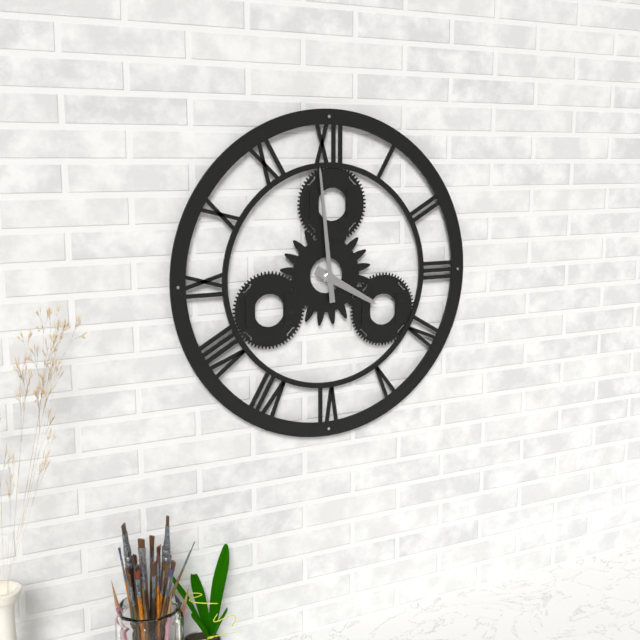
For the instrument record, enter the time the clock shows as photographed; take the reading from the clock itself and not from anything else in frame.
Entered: 3:59
